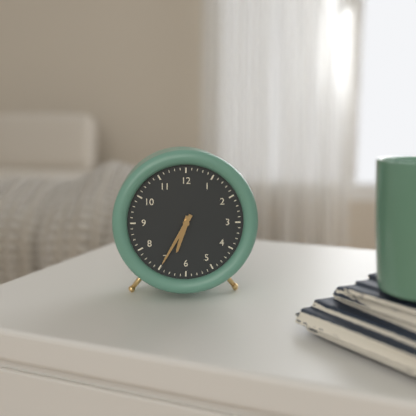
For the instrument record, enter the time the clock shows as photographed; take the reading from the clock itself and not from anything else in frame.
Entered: 6:35
